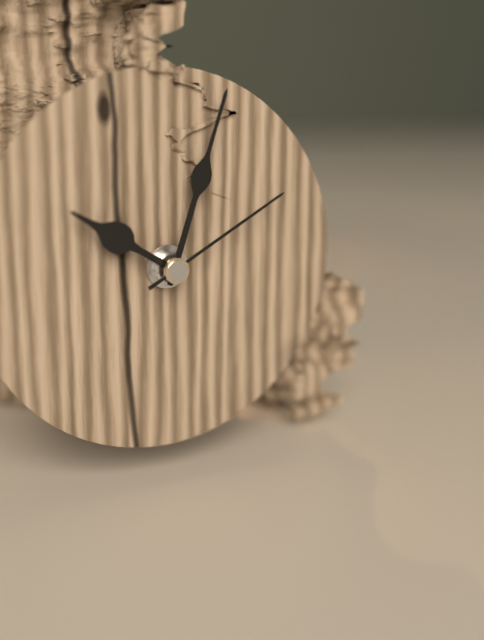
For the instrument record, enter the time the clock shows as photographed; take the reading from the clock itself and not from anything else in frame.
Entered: 10:03:10
